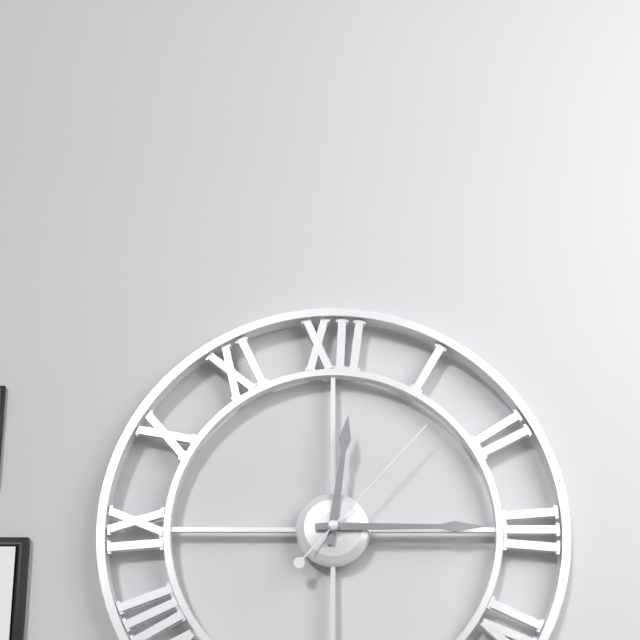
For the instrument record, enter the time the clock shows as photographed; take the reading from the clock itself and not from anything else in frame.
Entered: 12:15:07
